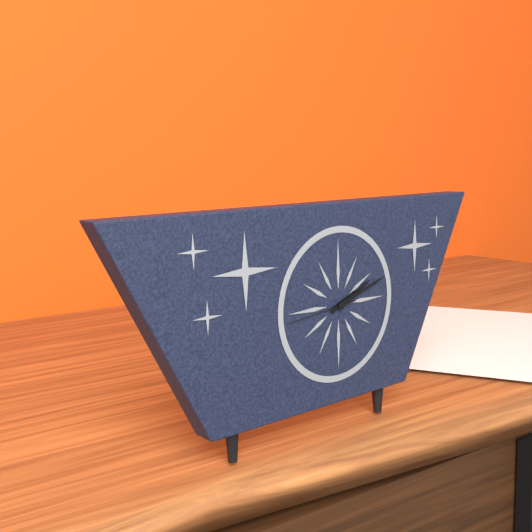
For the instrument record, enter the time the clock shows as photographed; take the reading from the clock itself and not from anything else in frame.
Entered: 2:12:44
